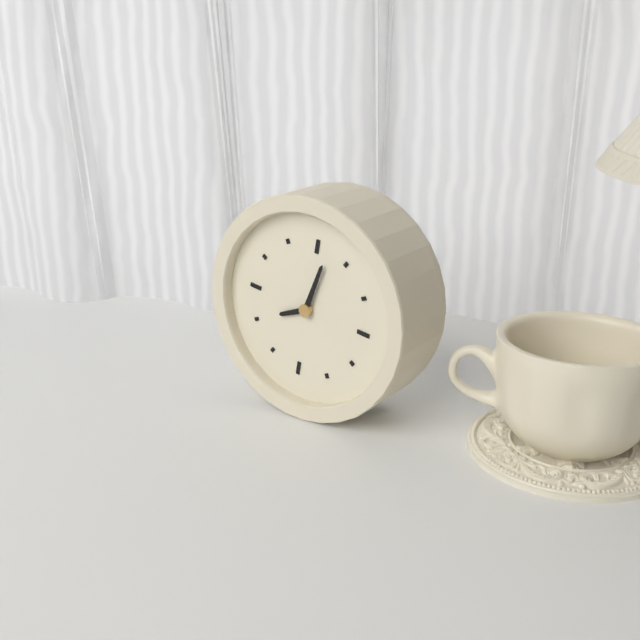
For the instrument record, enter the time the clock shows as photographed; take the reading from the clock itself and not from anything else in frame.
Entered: 8:02
